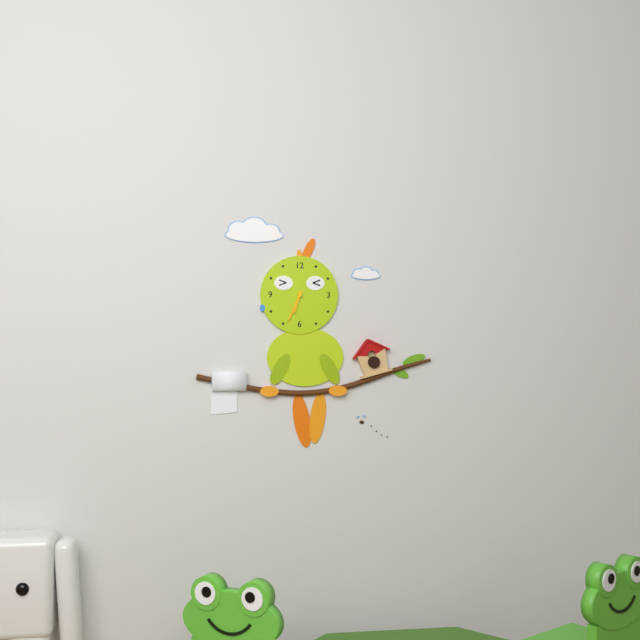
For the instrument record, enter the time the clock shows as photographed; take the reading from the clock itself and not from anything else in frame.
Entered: 6:34
